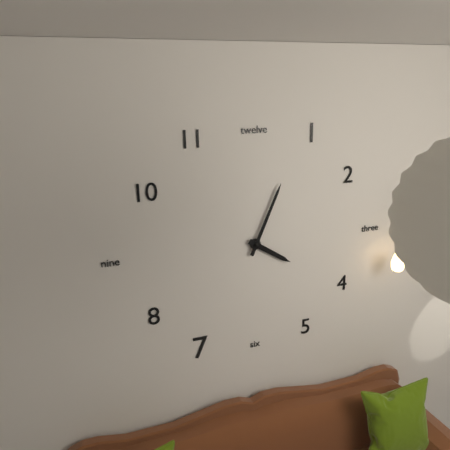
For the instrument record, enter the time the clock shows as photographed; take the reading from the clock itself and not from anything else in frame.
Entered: 4:04
